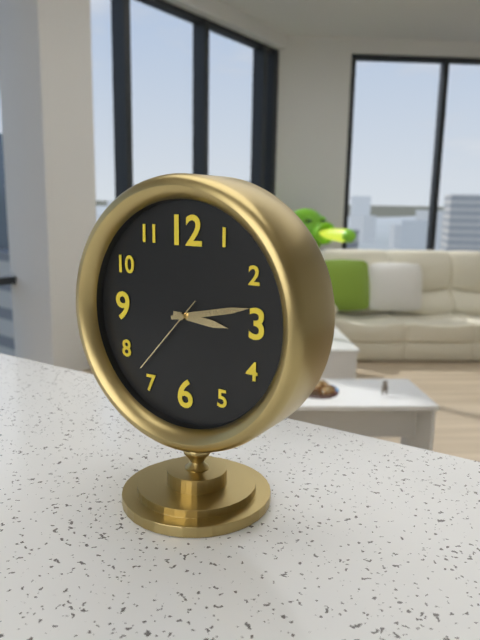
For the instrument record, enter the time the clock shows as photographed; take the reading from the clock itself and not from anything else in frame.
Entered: 3:13:37
